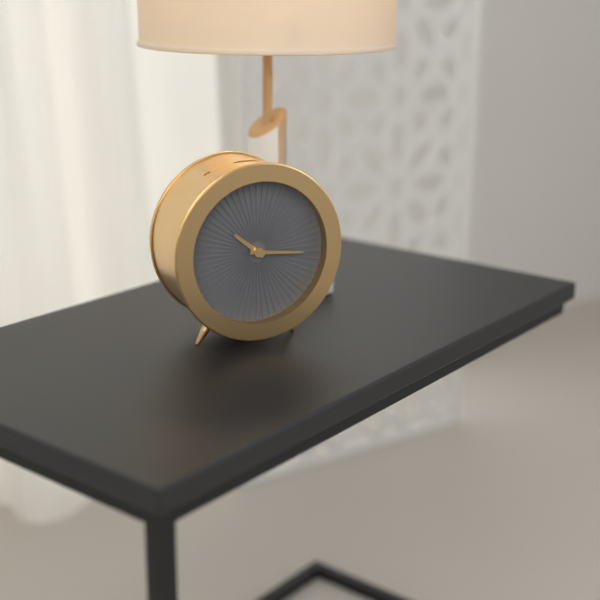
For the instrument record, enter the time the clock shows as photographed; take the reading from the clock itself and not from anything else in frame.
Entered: 10:16
